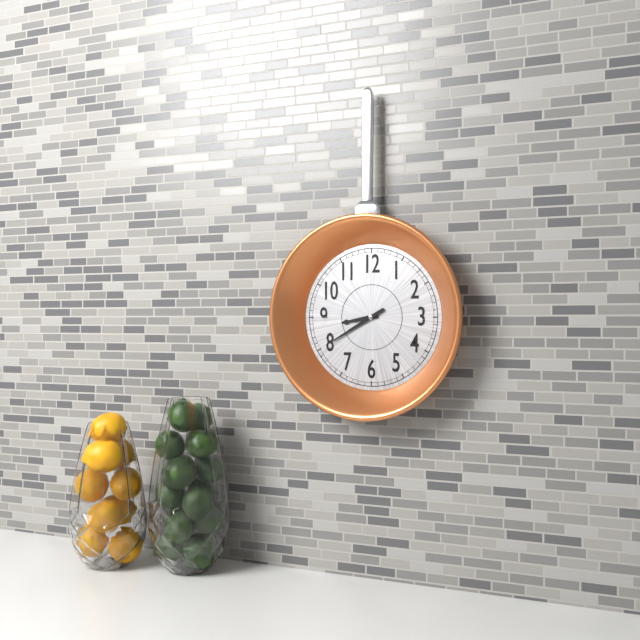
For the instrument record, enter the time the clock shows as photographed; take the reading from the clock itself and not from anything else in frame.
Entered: 8:40
